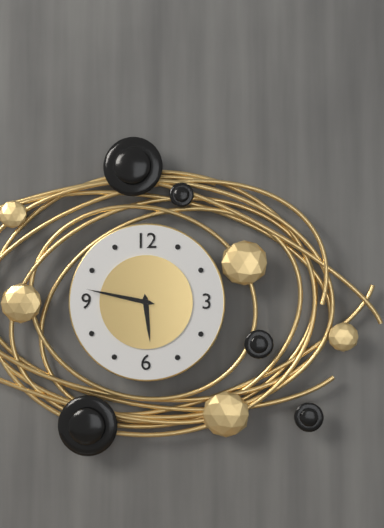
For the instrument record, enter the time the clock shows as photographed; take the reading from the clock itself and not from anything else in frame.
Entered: 5:47
